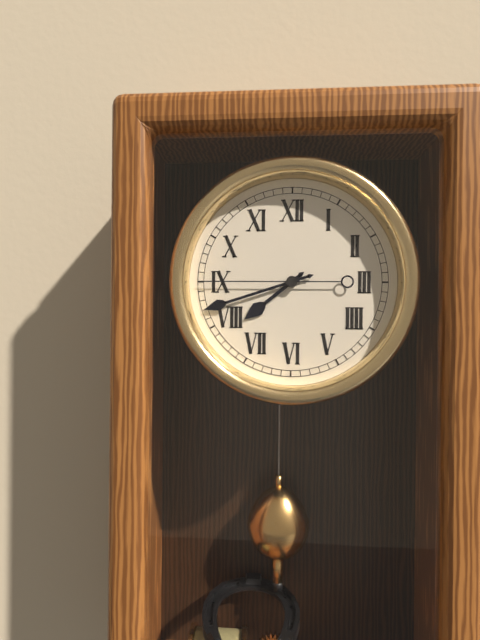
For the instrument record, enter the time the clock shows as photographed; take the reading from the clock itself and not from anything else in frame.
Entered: 7:42:45
